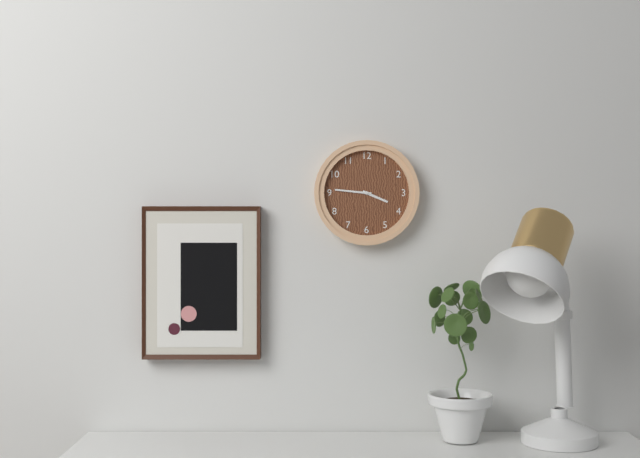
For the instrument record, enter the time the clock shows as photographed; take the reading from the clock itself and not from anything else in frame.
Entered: 3:46
